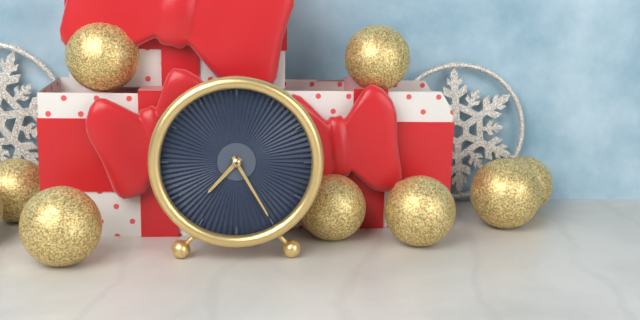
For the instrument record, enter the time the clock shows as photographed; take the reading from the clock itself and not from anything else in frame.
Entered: 7:25
